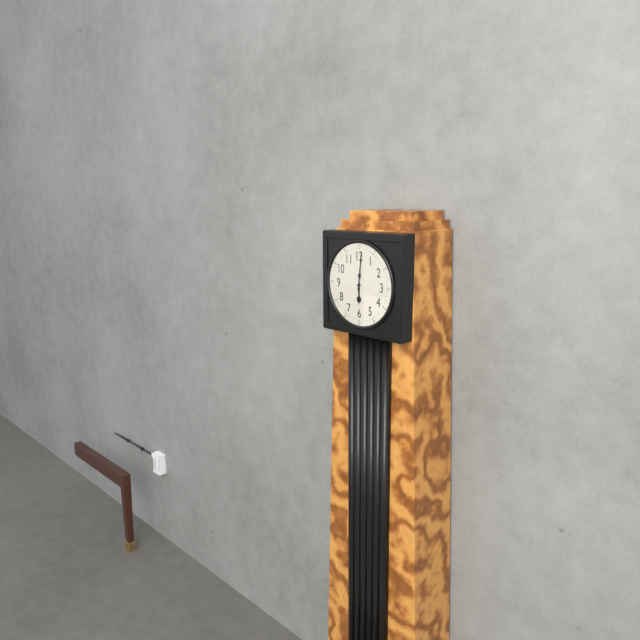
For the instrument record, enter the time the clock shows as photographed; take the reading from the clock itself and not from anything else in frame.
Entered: 6:01
